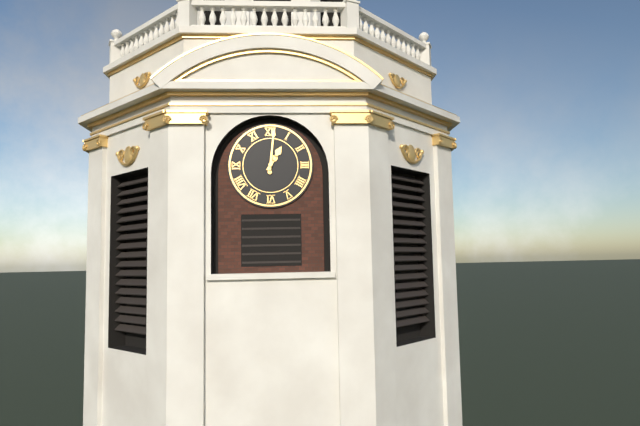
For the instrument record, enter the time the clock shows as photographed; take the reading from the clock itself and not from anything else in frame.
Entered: 1:01
